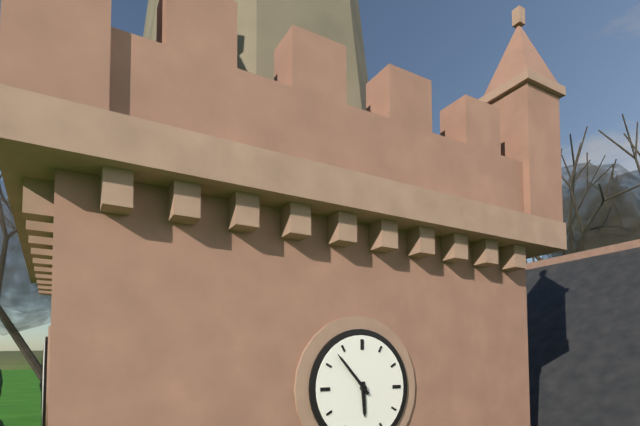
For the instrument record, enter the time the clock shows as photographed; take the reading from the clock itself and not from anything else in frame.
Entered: 5:53
